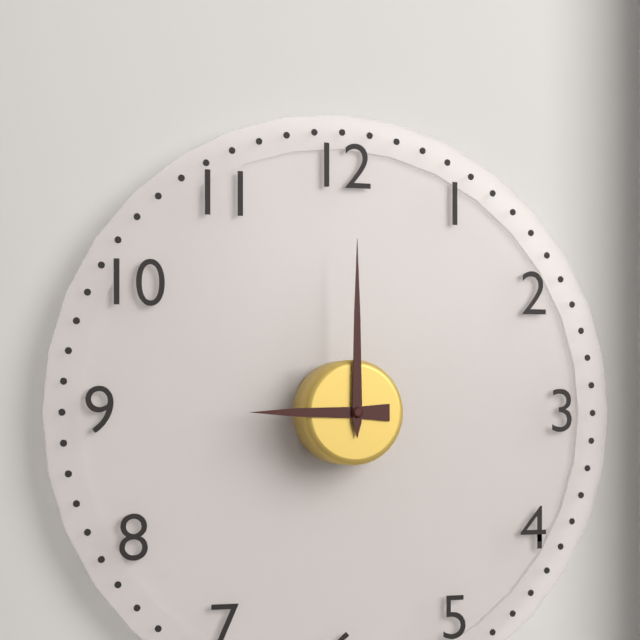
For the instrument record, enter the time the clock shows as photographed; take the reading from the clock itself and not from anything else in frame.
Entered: 9:00
